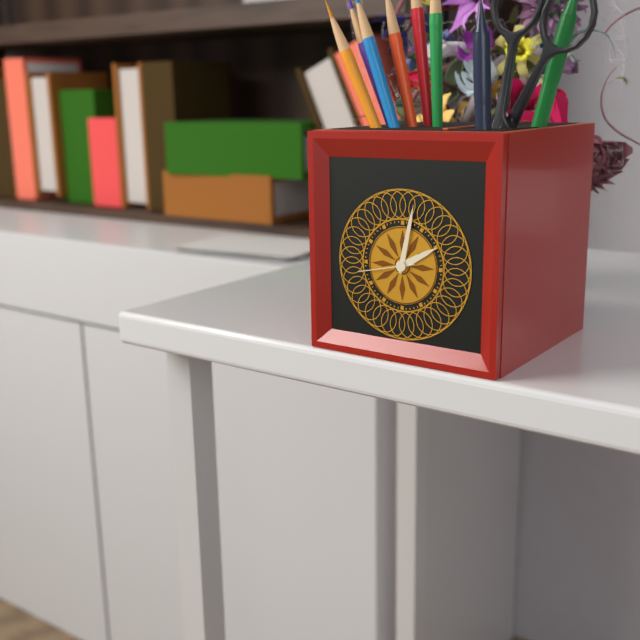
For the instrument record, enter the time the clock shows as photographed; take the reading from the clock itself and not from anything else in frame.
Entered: 2:02:43
